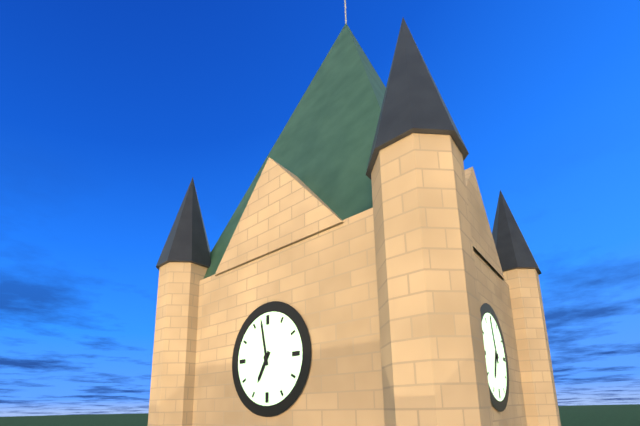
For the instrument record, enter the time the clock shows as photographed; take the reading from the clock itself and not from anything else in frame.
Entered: 6:58
